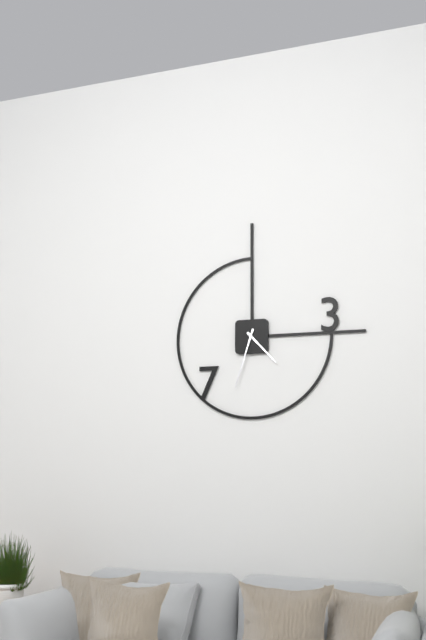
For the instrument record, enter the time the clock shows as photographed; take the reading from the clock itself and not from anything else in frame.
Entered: 4:33
